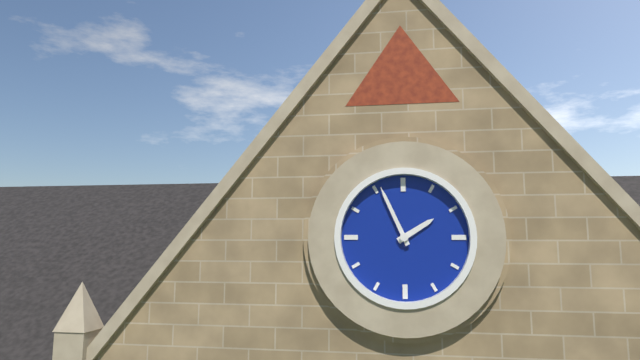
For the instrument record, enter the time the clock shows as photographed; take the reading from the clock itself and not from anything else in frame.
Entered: 1:56
